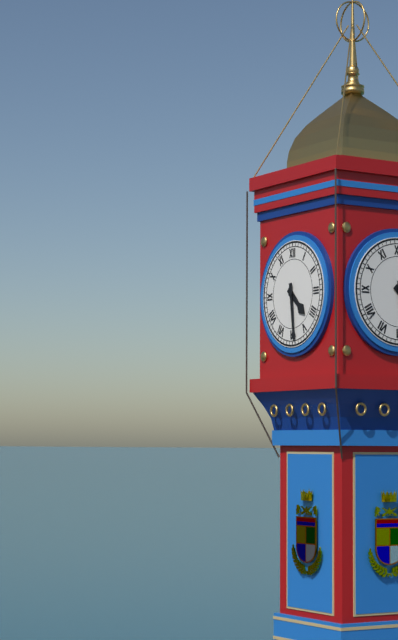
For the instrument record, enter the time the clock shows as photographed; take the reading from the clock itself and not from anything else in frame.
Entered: 4:29
